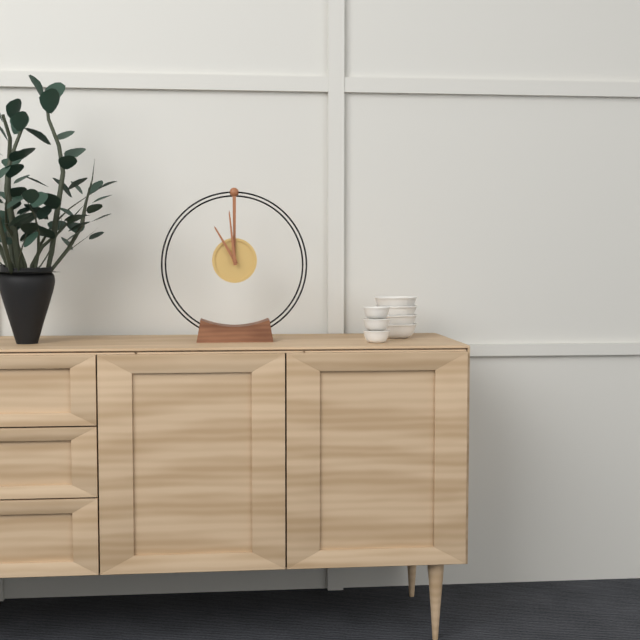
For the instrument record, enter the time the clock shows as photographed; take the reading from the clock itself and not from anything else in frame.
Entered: 10:59
